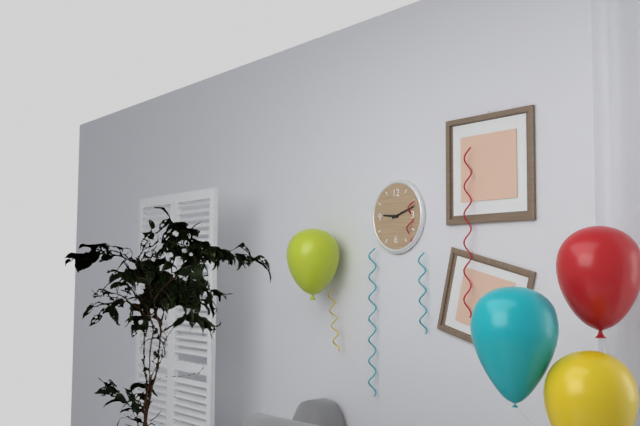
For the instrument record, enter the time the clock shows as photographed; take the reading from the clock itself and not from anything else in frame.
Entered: 9:12
